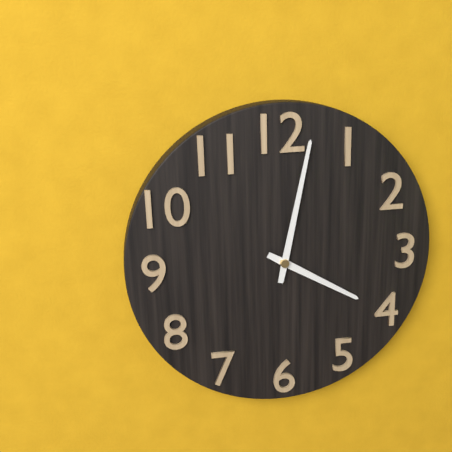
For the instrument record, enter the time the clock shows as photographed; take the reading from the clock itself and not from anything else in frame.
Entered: 4:02
